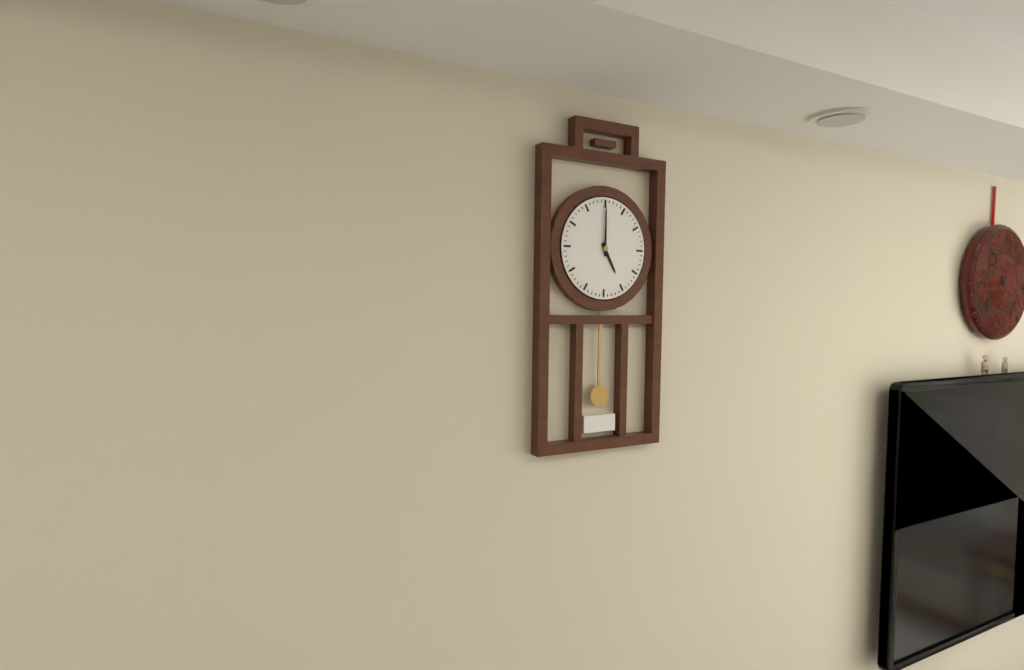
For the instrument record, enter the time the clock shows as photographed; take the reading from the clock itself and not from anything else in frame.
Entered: 5:00
